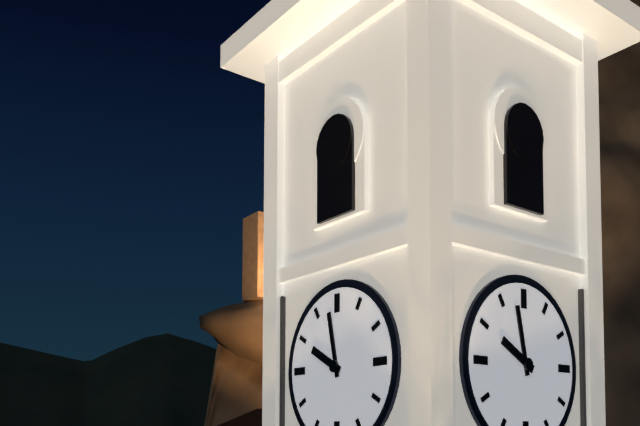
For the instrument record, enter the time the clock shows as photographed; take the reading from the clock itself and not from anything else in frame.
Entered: 9:58
